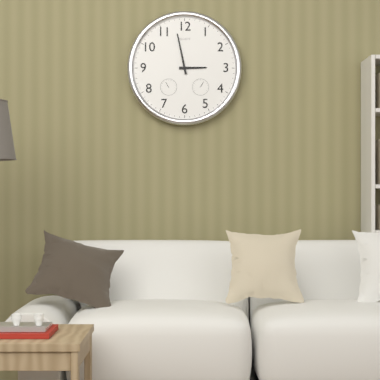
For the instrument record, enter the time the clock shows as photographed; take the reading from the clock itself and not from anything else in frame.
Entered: 2:58
